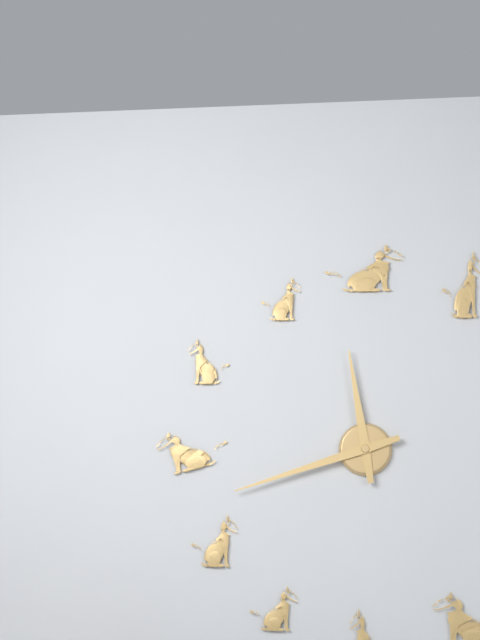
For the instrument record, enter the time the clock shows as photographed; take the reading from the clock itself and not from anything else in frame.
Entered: 11:42
